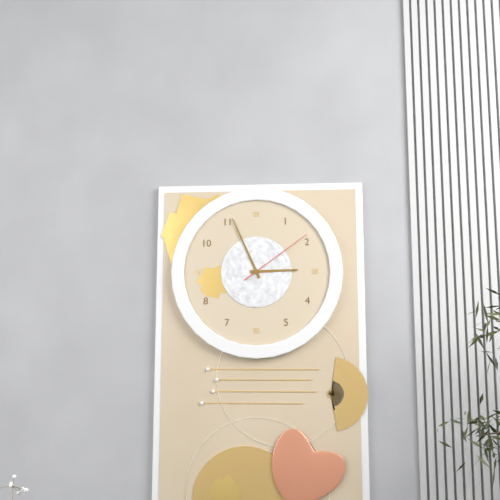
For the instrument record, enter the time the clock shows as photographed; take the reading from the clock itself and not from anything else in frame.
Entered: 2:56:09
